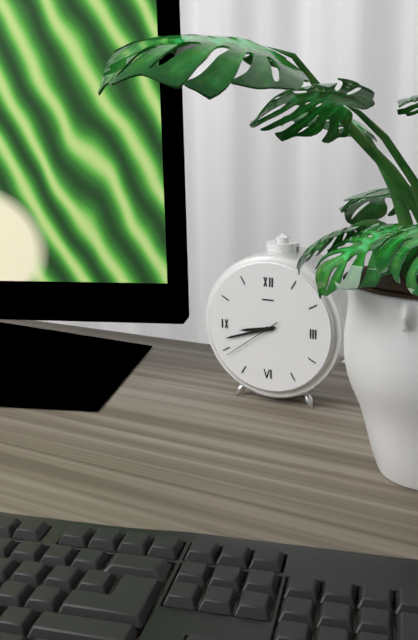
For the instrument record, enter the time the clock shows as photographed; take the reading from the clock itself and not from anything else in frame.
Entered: 8:42:39
